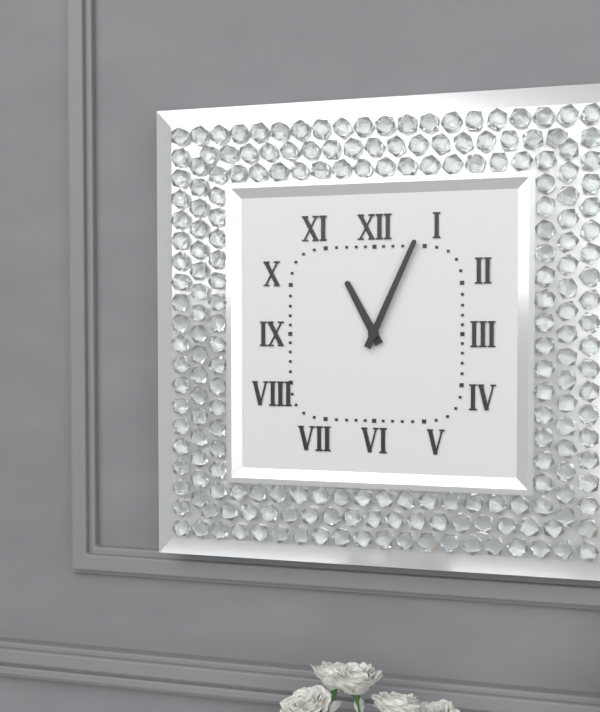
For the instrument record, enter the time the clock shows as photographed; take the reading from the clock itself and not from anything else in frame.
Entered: 11:04
